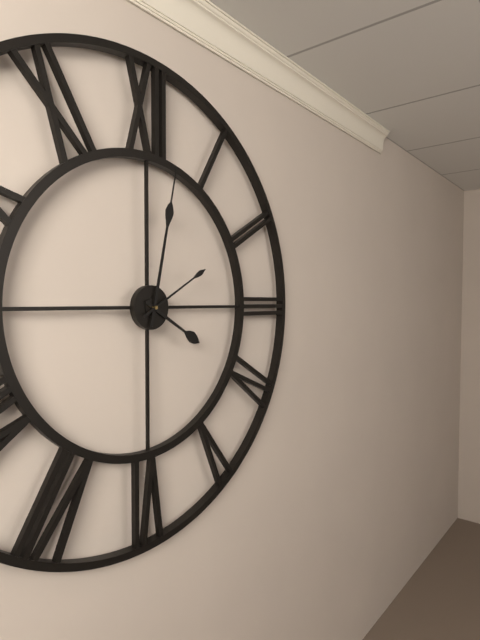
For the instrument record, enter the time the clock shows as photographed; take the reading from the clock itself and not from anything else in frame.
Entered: 4:02:10
